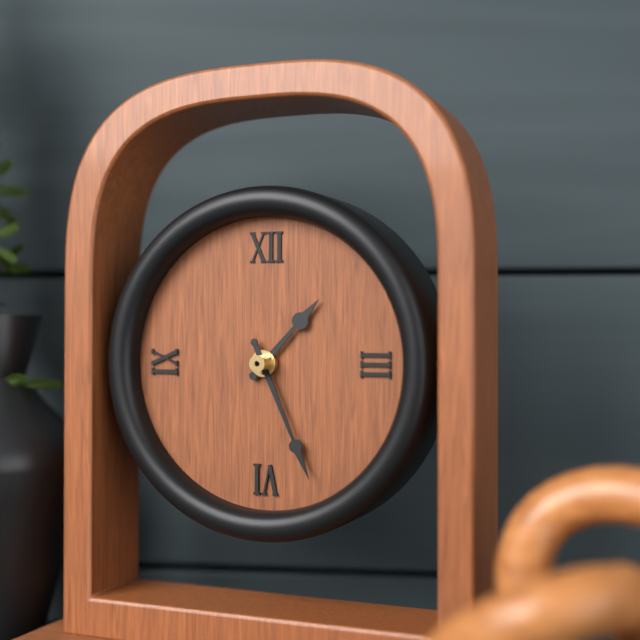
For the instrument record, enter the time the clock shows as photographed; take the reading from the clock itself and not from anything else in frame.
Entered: 1:26
